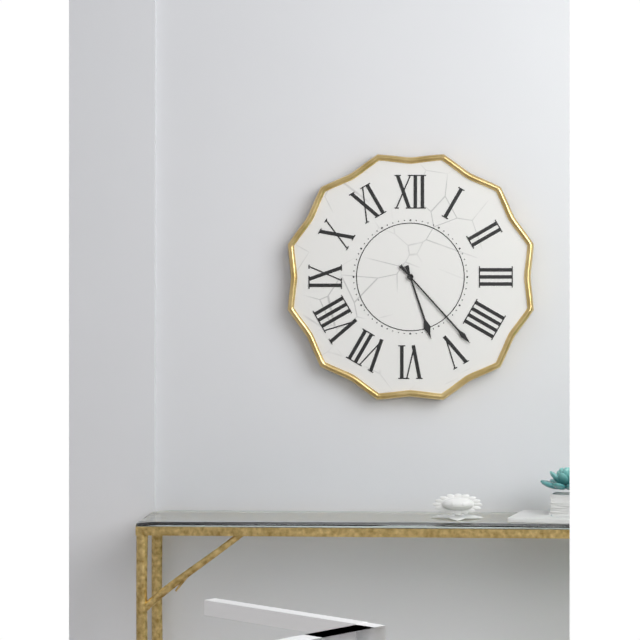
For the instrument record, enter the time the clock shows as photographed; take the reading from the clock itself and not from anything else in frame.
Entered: 5:23
